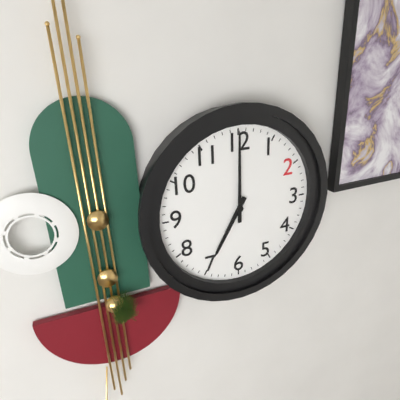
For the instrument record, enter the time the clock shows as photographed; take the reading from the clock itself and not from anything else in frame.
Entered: 7:00
